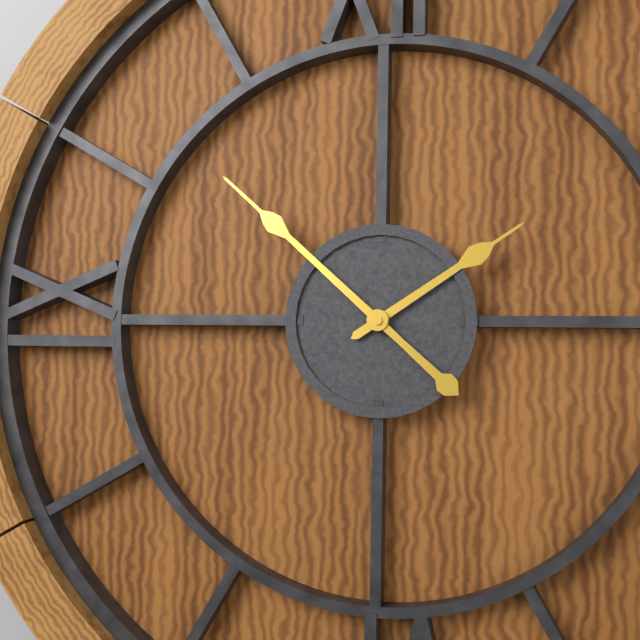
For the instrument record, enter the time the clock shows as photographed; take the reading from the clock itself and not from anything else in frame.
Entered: 1:52
